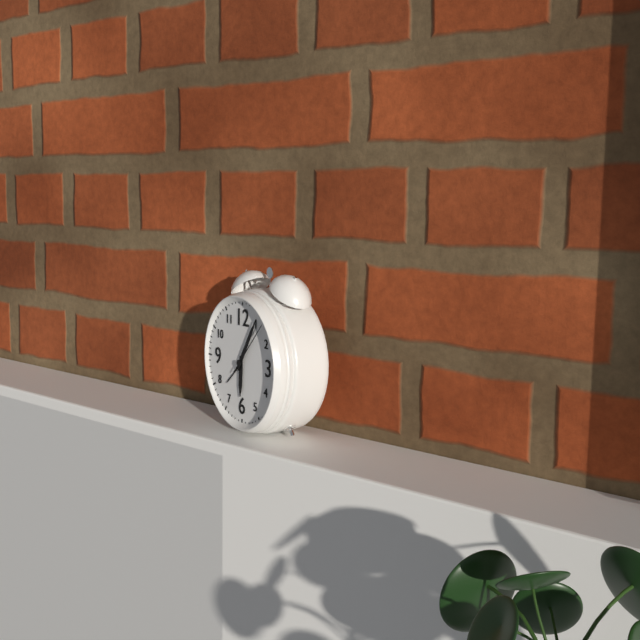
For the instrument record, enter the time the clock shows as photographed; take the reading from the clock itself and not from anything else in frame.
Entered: 6:05:07
